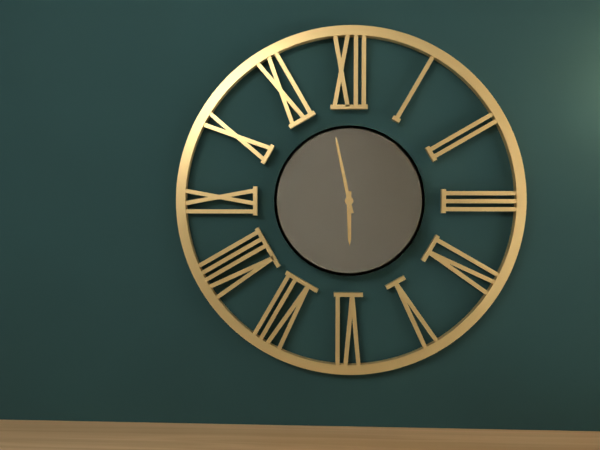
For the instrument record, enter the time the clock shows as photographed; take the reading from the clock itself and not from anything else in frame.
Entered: 5:58
